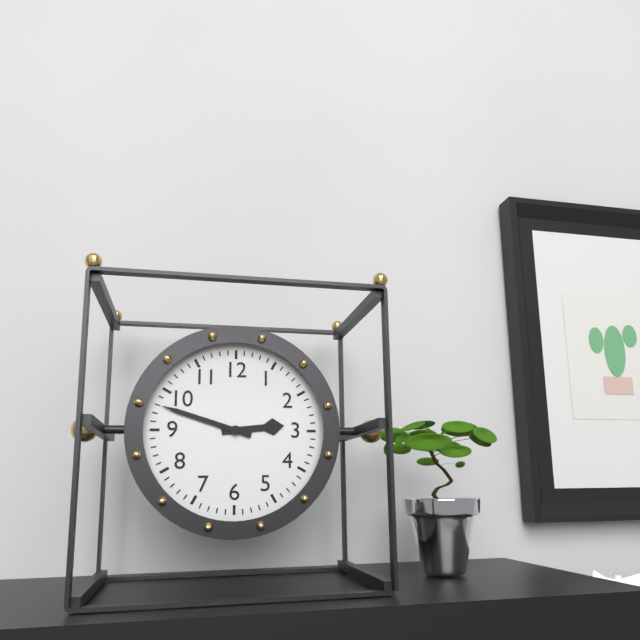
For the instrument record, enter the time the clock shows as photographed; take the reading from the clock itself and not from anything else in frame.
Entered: 2:48
